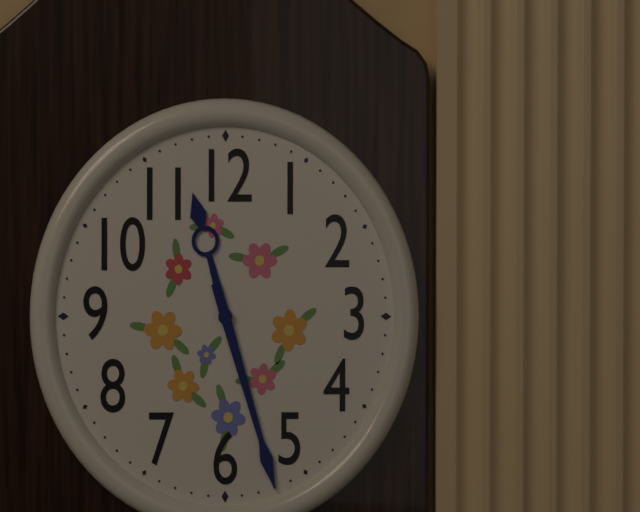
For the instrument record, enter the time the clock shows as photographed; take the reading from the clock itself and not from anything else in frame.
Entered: 11:27
